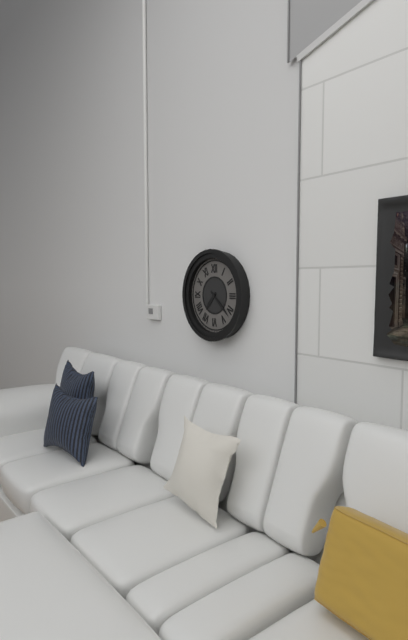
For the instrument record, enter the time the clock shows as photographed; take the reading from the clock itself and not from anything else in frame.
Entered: 7:22
